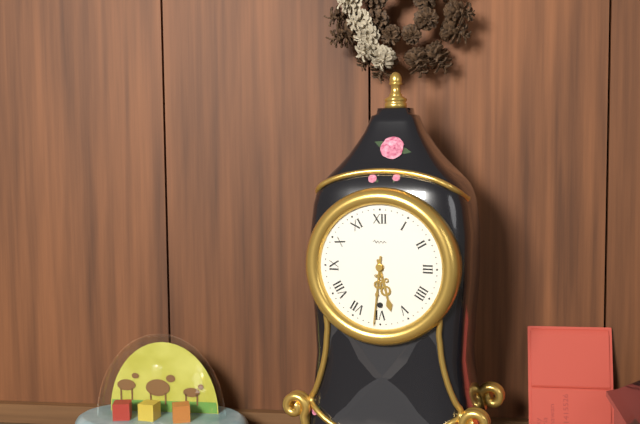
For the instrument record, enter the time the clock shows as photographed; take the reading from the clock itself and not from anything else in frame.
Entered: 5:31
